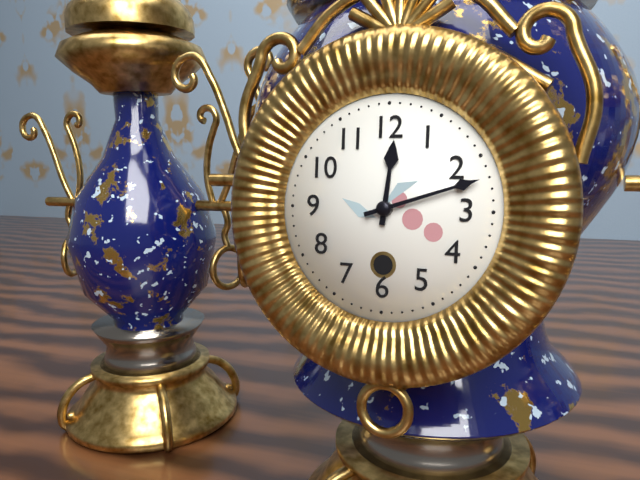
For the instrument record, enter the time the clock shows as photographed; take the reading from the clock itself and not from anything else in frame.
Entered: 12:12
